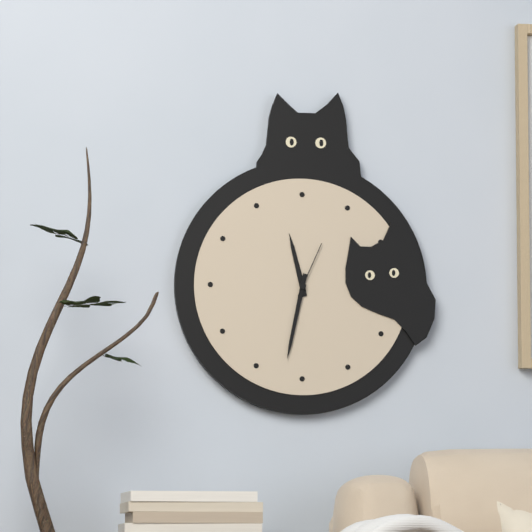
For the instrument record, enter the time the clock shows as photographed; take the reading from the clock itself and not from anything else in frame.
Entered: 11:32:04
